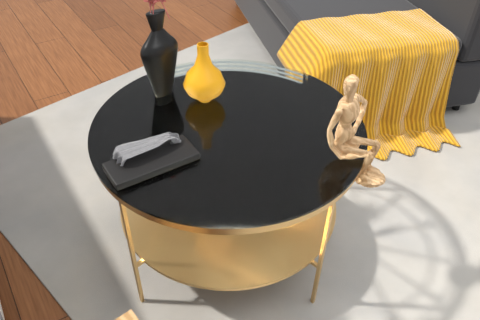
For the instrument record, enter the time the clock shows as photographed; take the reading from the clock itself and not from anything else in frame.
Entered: 10:19
